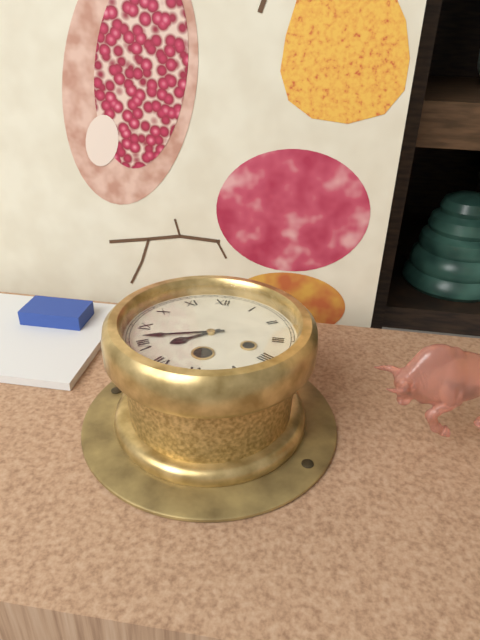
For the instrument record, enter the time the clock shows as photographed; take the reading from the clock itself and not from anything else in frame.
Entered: 7:42
